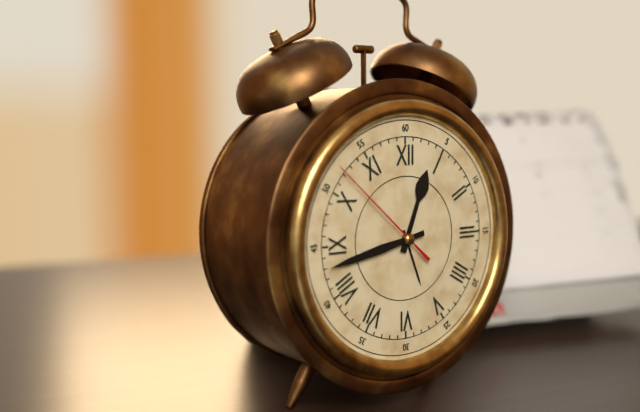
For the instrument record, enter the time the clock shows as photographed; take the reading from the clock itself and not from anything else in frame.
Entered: 12:43:52
